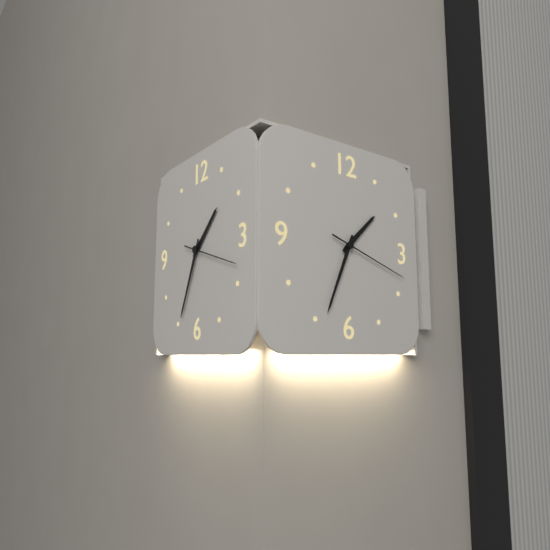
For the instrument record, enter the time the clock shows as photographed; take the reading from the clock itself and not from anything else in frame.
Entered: 1:34:18
